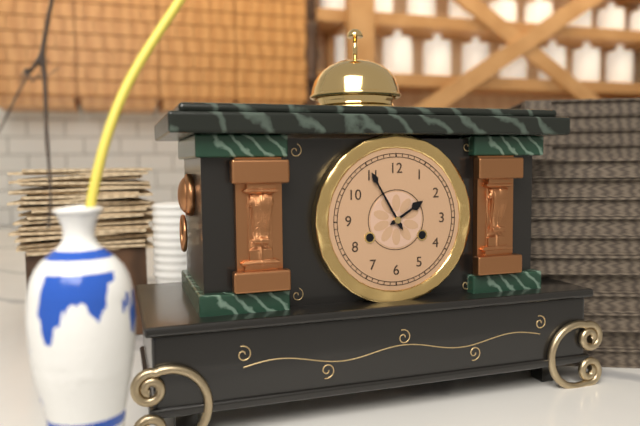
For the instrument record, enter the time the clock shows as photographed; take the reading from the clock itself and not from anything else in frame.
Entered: 1:55
